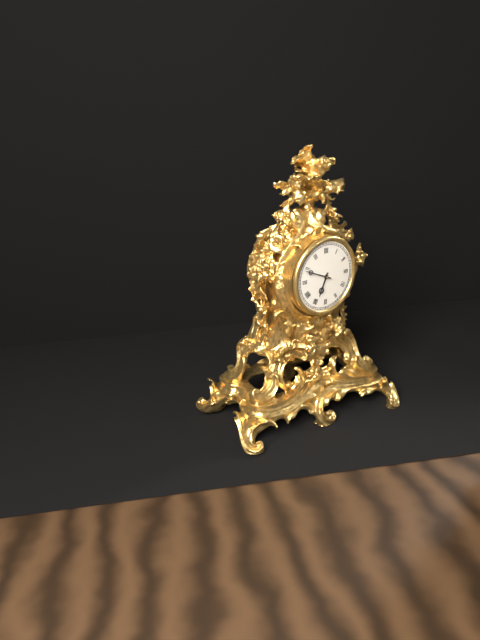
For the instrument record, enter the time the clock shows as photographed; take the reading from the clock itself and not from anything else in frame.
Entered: 6:49
